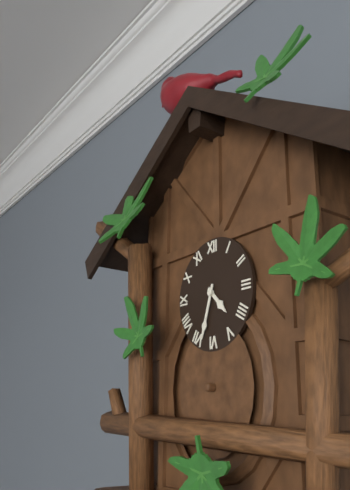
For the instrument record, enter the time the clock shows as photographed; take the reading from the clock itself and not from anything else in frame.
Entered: 4:33
